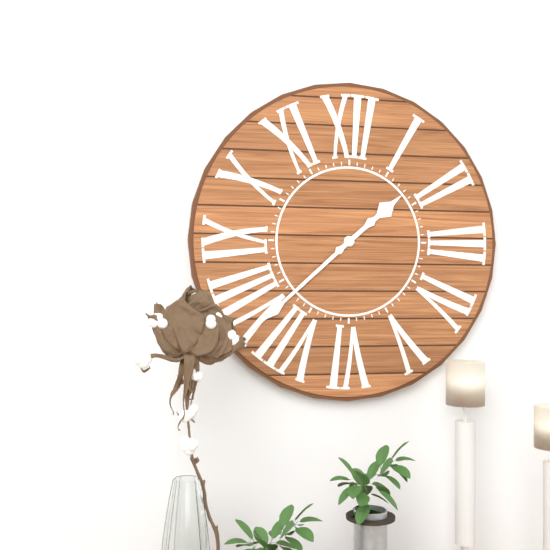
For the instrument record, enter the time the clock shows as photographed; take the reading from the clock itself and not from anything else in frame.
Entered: 1:38
